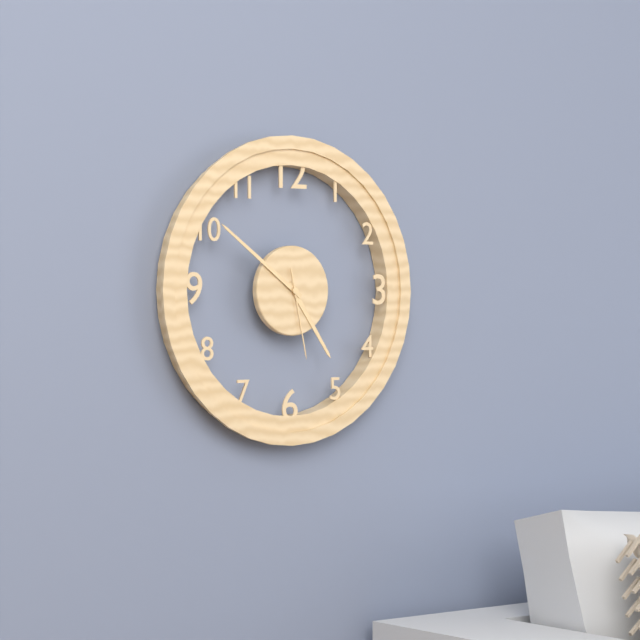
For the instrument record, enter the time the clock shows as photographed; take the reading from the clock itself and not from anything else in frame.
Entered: 4:51:28
